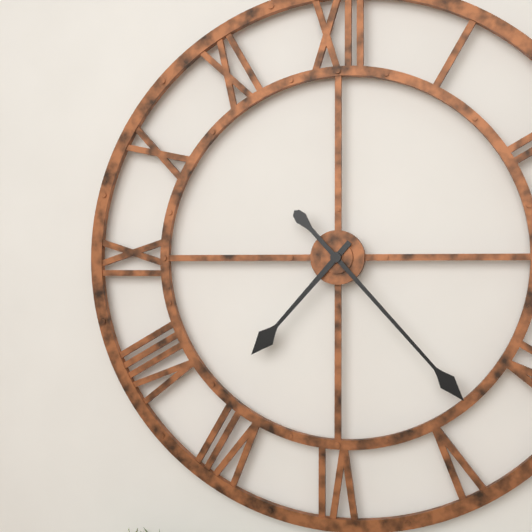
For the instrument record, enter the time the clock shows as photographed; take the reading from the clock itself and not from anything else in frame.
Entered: 7:23
